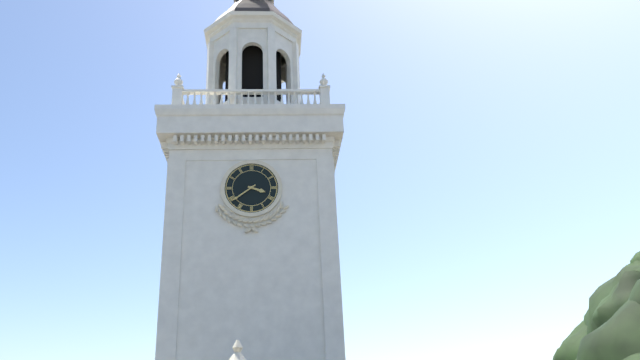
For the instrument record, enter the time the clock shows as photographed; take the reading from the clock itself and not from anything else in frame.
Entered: 3:39
